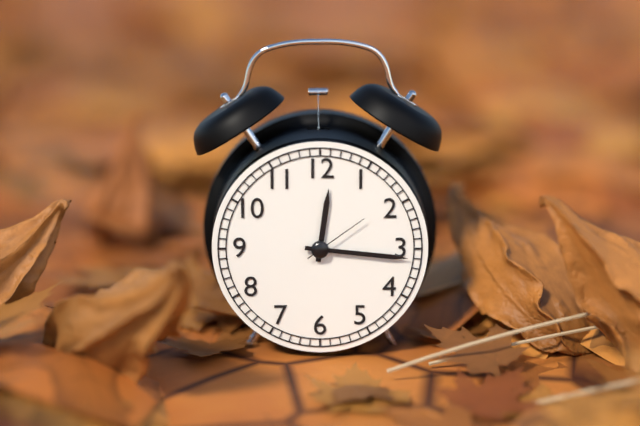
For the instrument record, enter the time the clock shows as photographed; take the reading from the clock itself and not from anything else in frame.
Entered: 12:16:09
